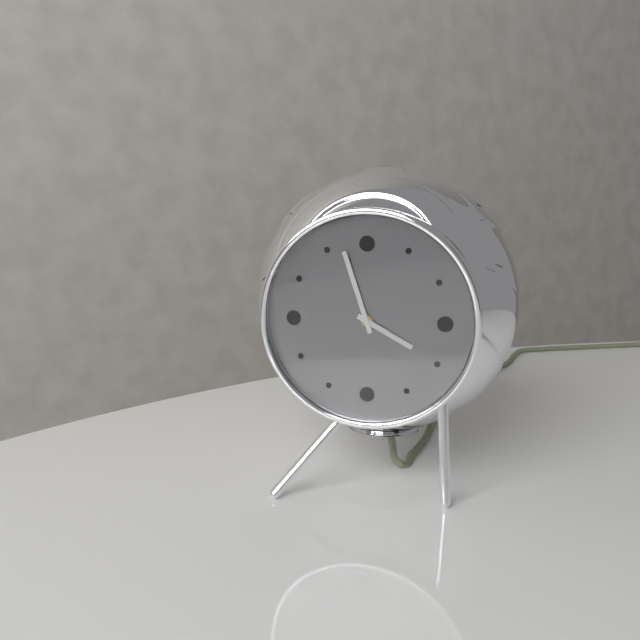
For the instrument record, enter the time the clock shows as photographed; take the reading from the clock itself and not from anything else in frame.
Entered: 3:57
